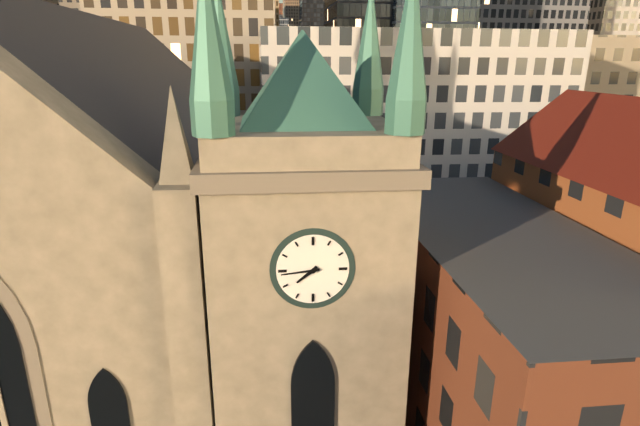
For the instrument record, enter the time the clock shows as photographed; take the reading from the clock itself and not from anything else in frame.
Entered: 7:44
